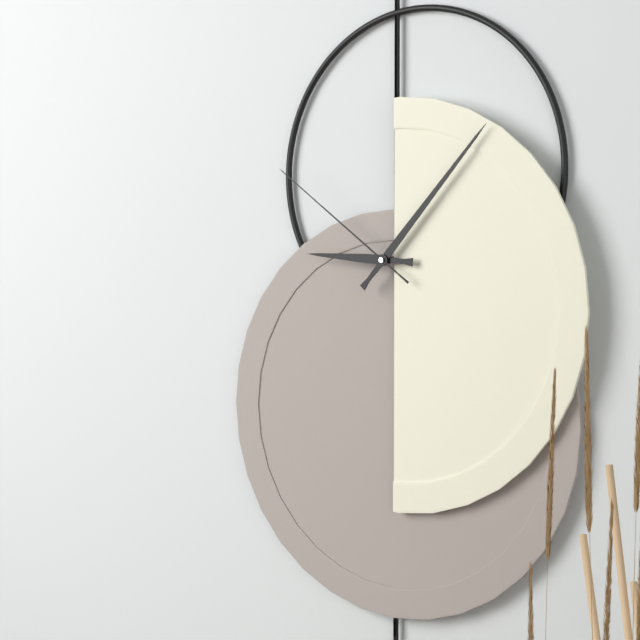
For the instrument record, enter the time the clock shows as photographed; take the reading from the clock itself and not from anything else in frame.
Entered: 9:07:51
